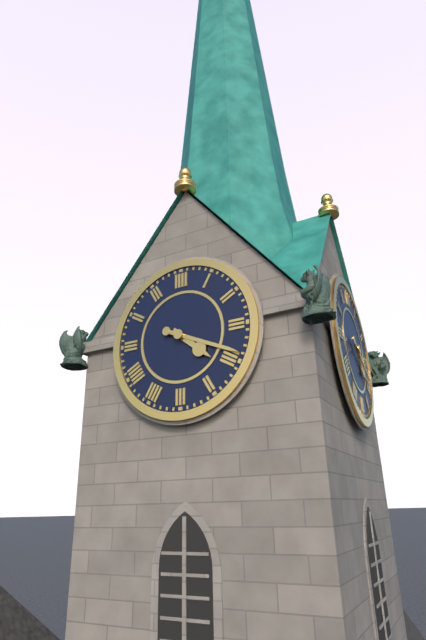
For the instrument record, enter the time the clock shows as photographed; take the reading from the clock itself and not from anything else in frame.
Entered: 4:19
